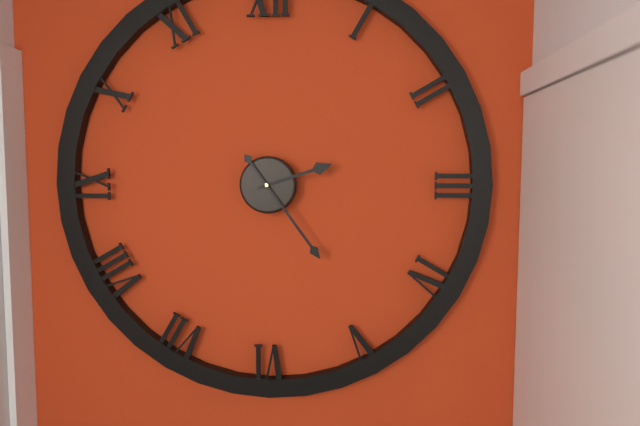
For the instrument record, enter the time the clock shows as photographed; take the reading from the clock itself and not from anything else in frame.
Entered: 2:24
